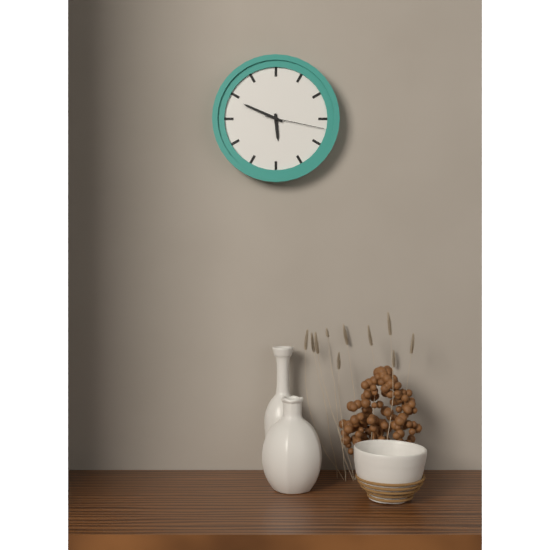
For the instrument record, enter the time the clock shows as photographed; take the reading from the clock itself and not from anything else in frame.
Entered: 5:49:17
